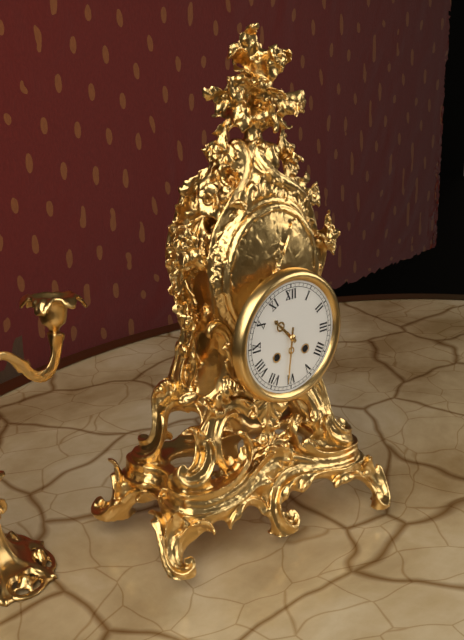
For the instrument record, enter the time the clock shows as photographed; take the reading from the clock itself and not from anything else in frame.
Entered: 10:31
